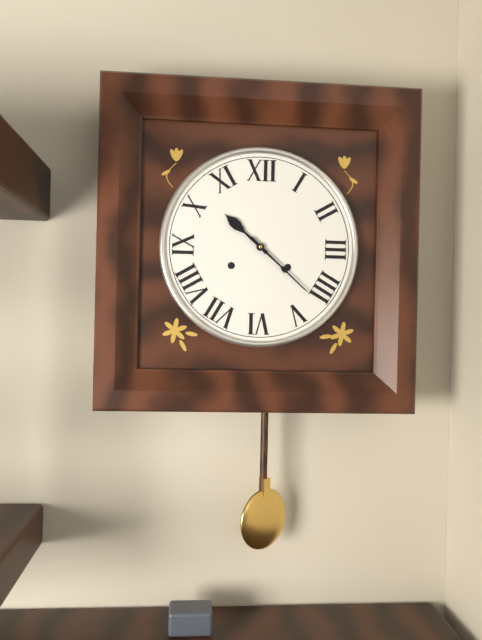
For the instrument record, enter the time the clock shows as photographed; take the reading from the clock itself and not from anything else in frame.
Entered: 10:22
